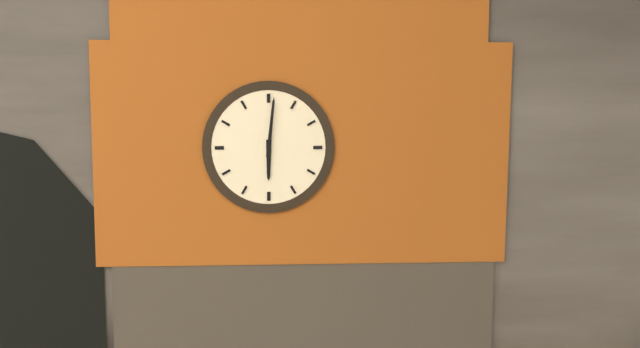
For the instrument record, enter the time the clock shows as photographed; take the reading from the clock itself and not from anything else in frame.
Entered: 6:01
